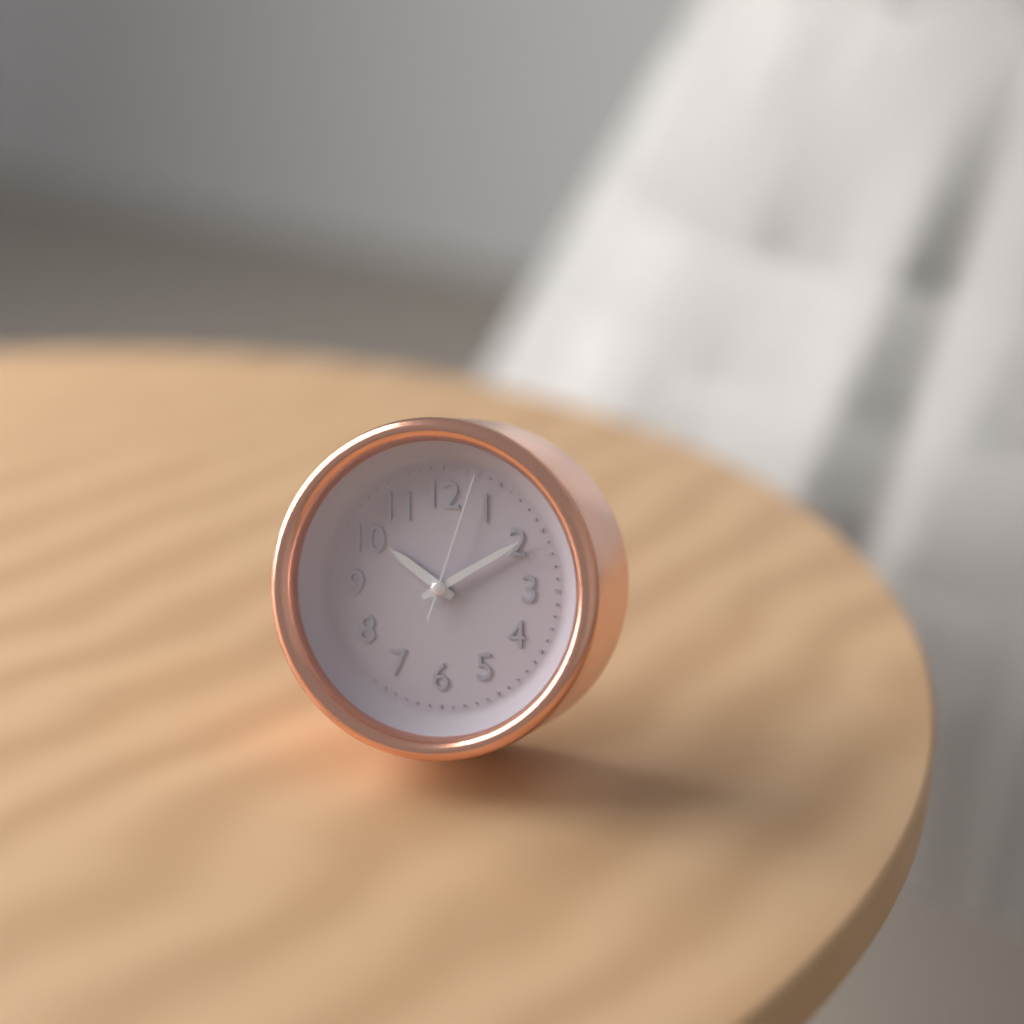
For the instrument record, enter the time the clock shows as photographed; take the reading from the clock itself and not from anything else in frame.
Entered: 10:10:03
